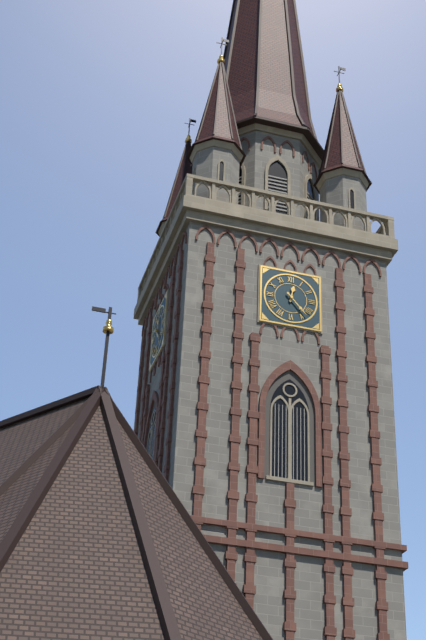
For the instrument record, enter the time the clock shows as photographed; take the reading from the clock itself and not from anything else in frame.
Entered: 12:23
